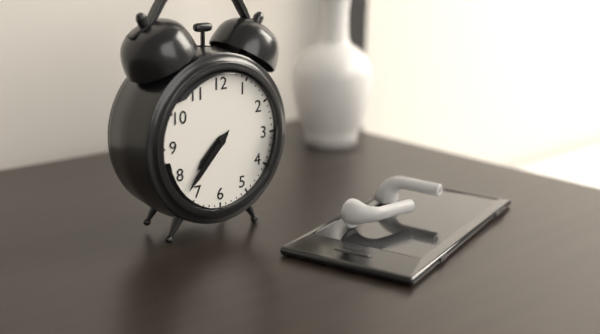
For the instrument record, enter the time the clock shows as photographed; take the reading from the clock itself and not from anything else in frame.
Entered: 7:37
